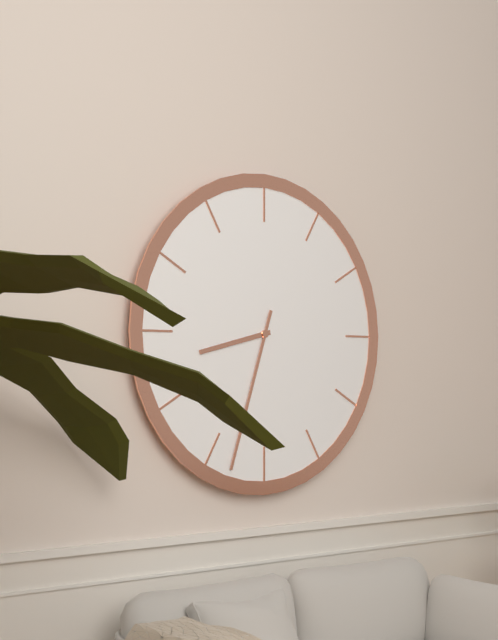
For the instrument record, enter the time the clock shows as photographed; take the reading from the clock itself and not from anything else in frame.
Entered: 8:33
